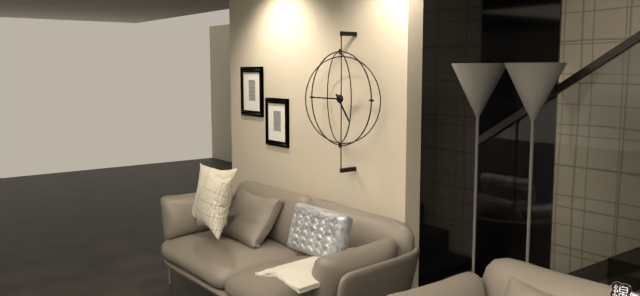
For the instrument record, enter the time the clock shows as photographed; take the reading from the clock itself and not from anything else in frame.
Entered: 4:45
